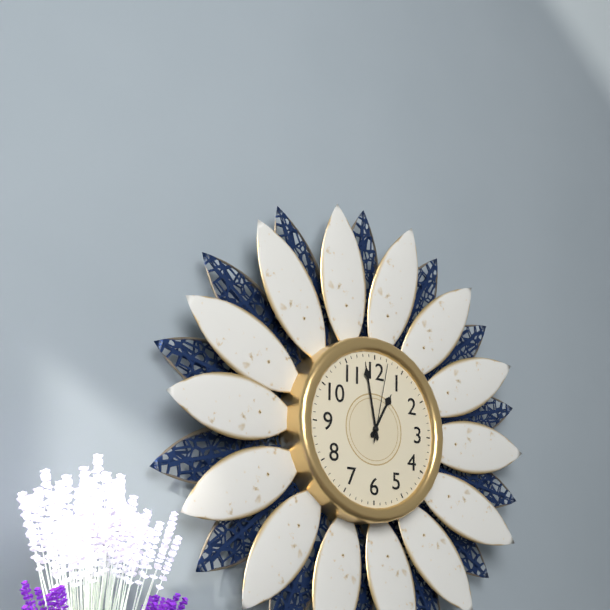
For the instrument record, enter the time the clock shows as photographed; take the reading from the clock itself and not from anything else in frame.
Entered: 12:58:02
